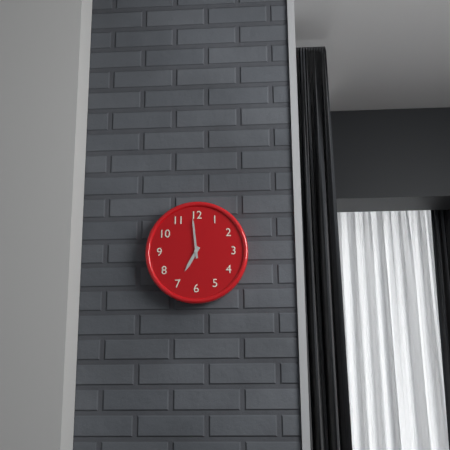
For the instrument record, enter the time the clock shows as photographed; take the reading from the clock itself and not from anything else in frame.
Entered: 6:59
